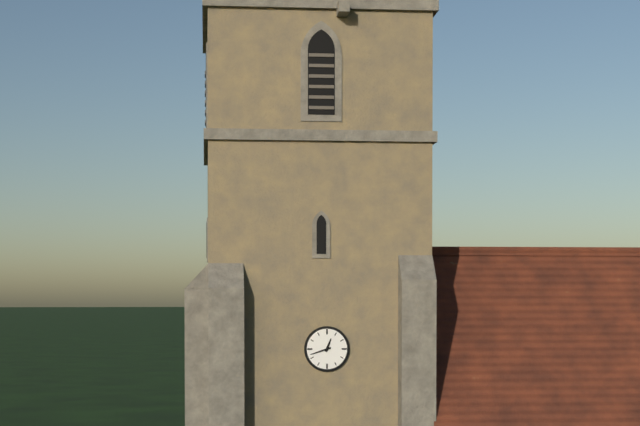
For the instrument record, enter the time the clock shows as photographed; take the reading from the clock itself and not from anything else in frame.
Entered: 12:42
